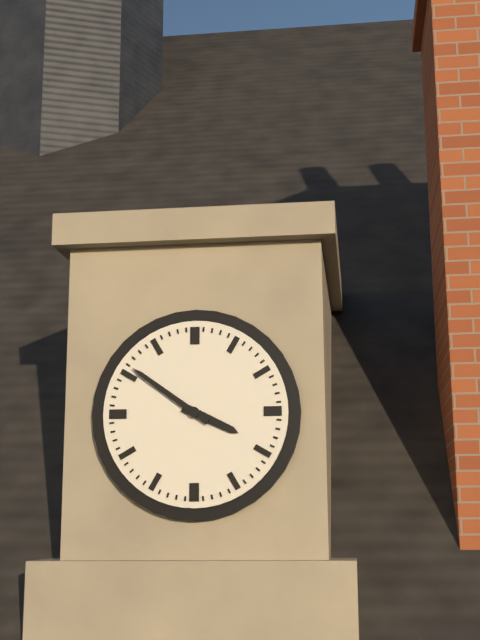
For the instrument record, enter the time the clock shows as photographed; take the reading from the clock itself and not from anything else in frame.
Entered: 3:51
